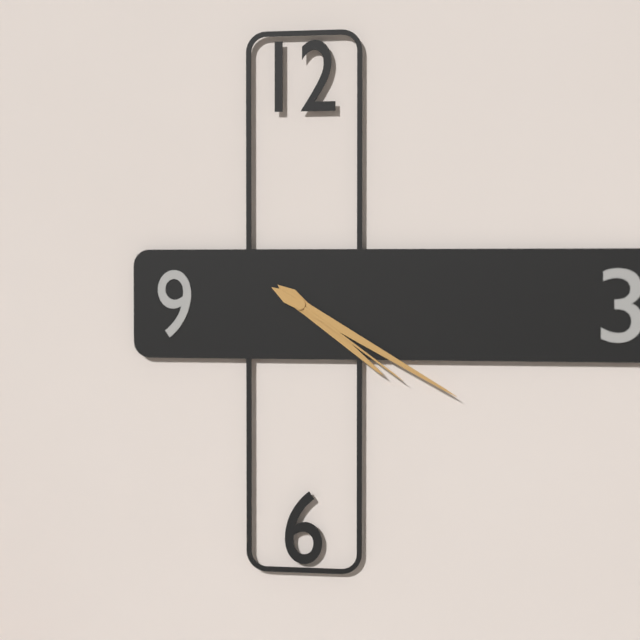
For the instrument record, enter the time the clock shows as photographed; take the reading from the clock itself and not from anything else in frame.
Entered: 4:20:21
